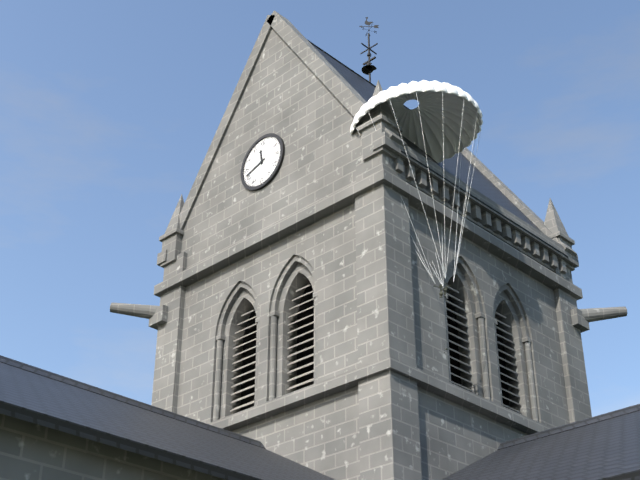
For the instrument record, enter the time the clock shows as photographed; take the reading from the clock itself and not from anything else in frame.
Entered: 11:42
